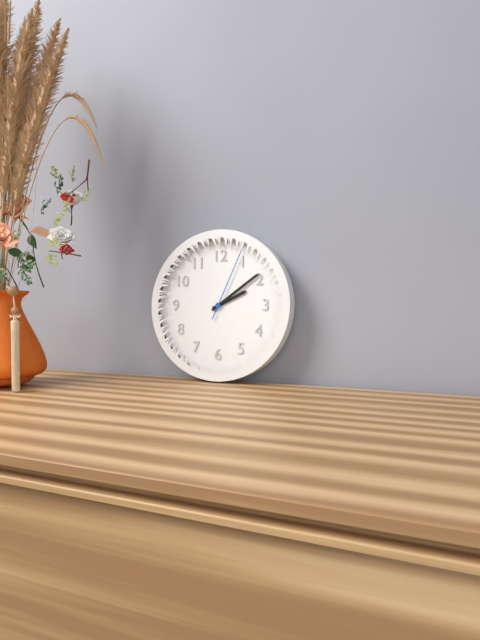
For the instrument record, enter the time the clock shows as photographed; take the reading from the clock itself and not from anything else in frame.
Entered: 2:09:04
